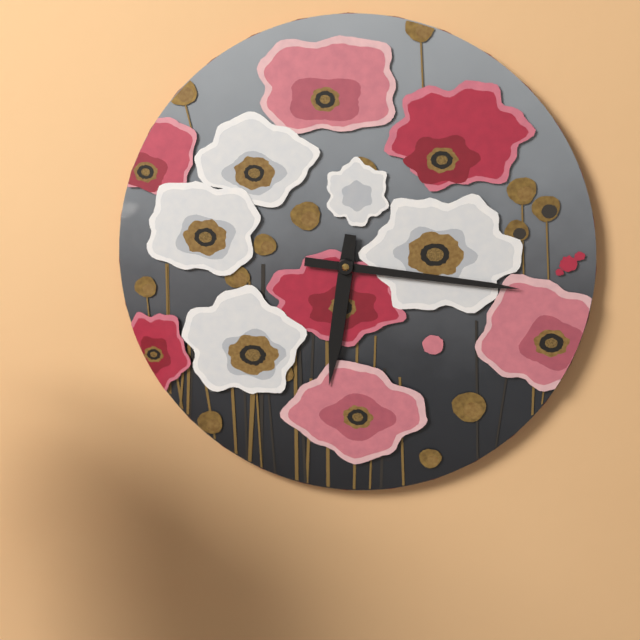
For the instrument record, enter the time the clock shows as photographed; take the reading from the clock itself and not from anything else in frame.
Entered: 6:16
